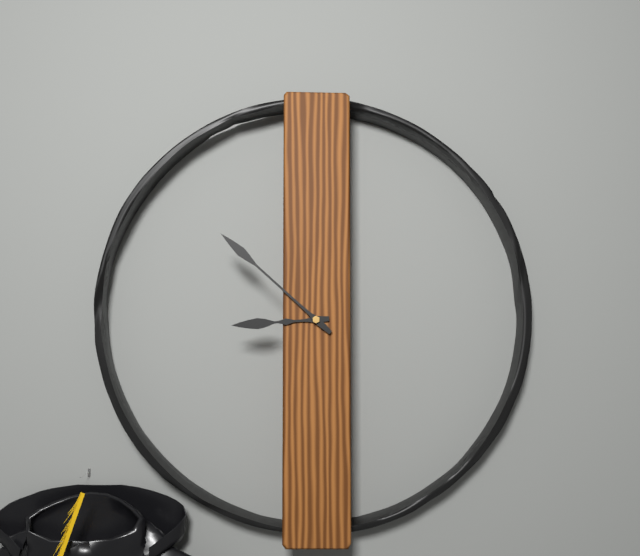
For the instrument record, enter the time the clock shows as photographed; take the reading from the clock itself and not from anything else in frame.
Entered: 8:52
